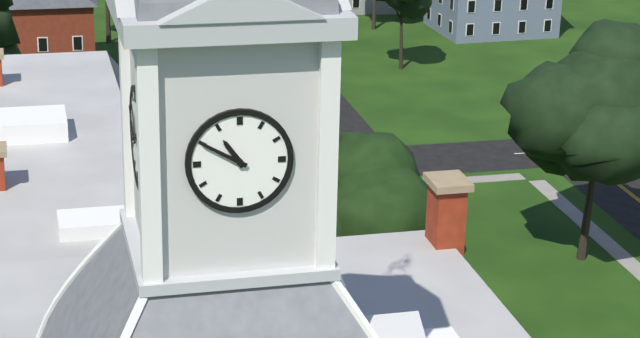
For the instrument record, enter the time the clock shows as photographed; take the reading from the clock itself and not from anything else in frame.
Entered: 10:50
